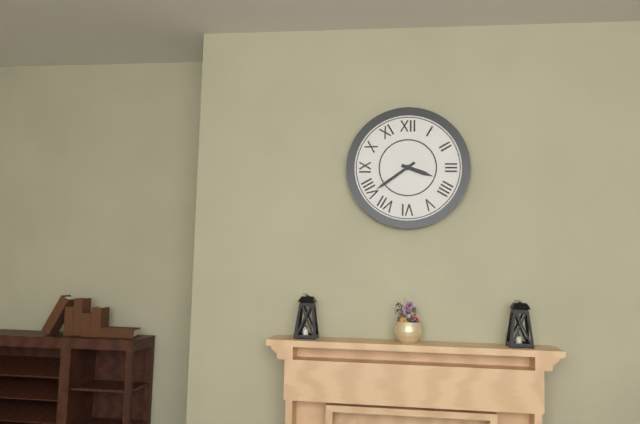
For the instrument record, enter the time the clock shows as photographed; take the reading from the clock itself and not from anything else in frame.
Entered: 3:39
